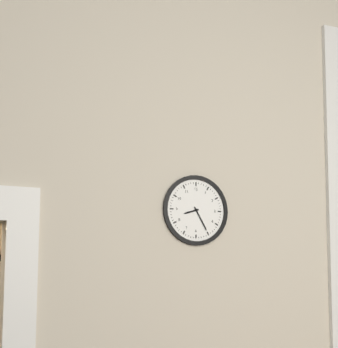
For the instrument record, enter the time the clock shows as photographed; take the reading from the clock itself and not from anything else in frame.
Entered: 8:25
